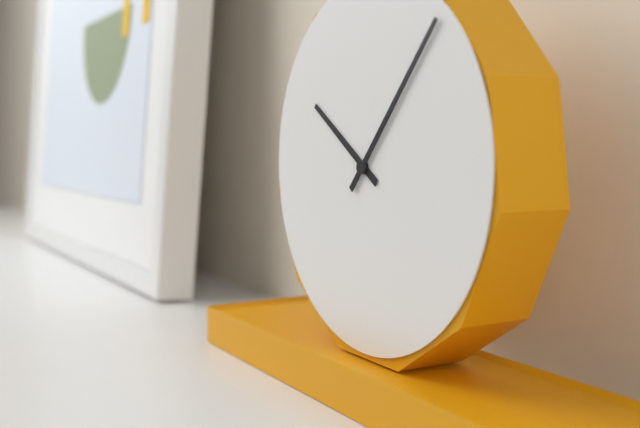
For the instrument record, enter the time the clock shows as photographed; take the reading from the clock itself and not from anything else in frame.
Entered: 10:07
